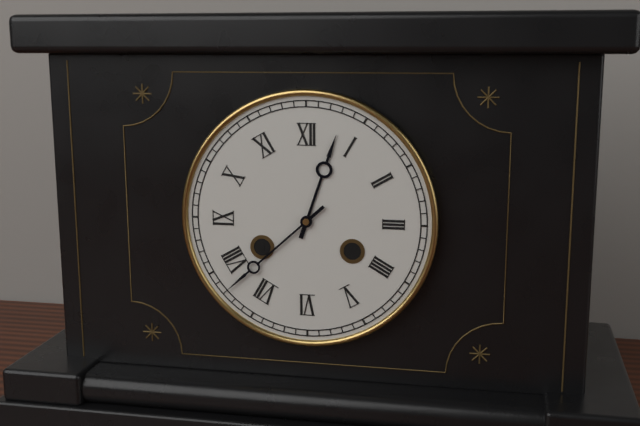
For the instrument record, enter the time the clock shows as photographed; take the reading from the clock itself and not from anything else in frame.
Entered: 12:38
